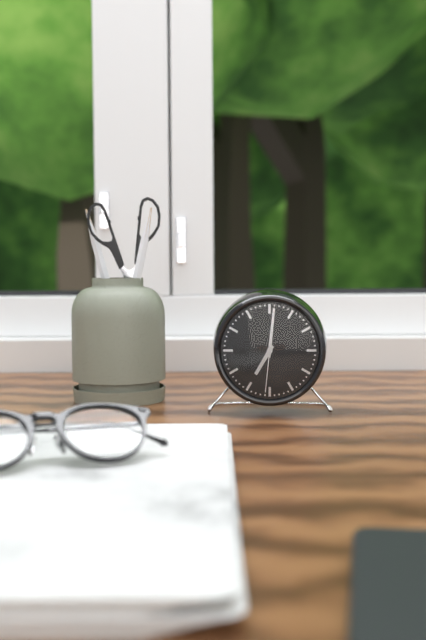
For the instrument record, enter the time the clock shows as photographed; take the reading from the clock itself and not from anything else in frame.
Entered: 7:01:31
